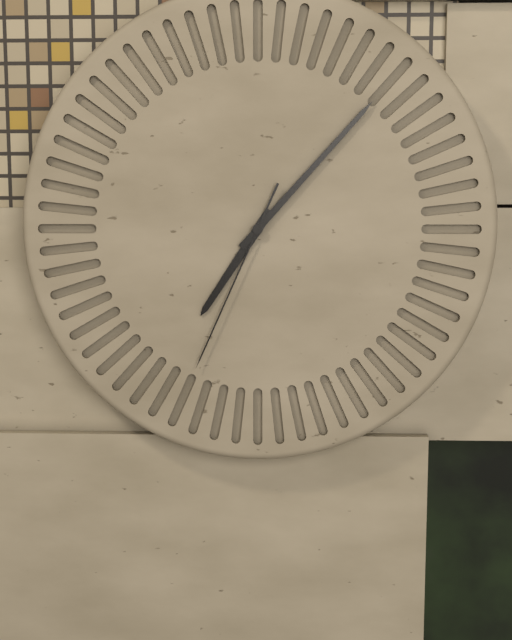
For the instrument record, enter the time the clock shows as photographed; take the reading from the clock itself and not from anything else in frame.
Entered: 7:07:34
